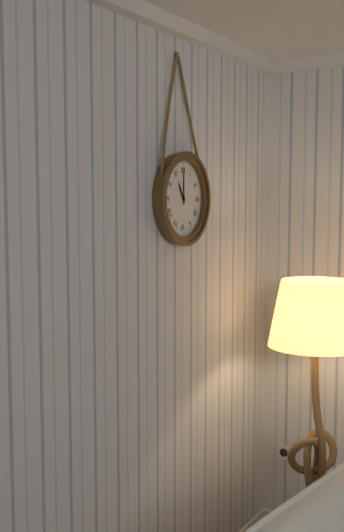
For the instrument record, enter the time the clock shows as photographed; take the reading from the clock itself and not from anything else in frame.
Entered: 11:00
